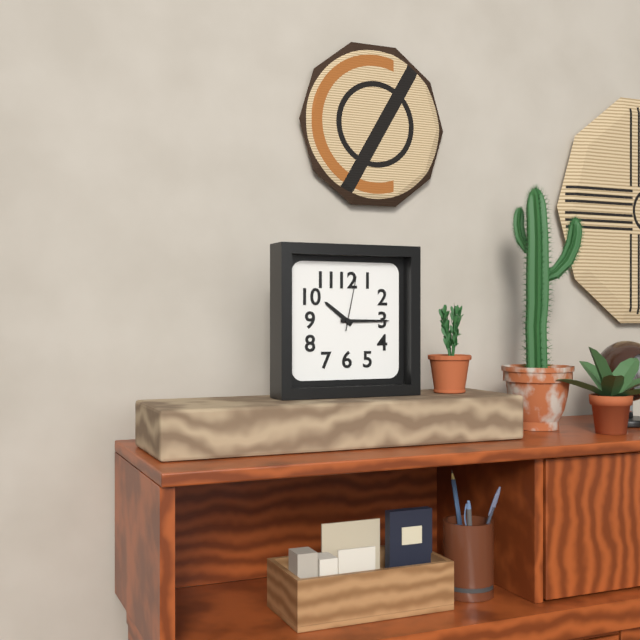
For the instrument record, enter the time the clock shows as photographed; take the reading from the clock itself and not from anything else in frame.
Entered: 10:15:02
